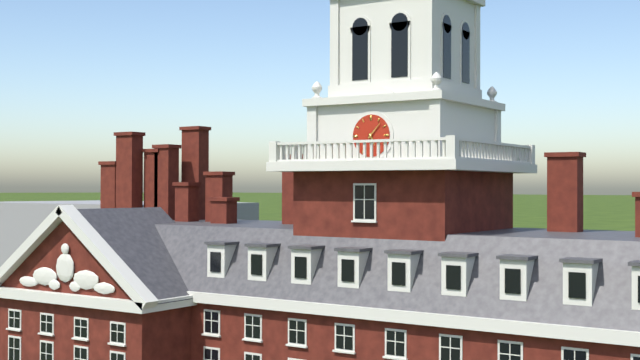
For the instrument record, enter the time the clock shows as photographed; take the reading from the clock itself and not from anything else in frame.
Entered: 5:07
